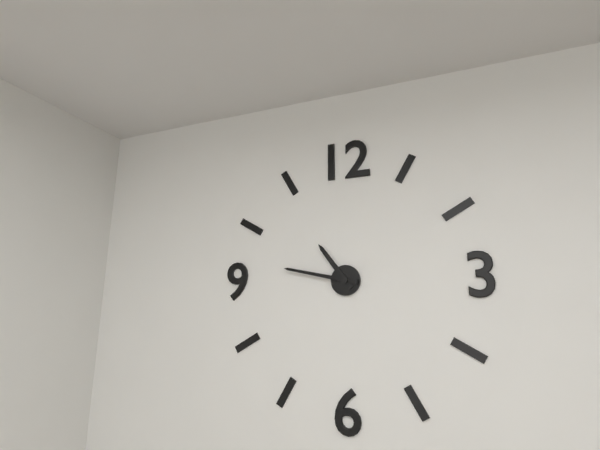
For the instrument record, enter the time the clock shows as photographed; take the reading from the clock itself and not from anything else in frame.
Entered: 10:47
